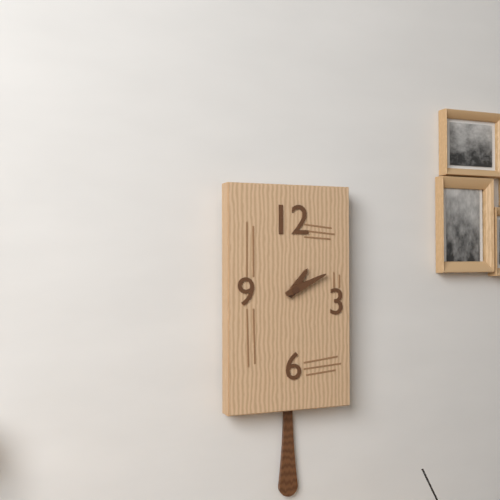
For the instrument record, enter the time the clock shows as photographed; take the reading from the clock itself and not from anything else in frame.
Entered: 1:11
